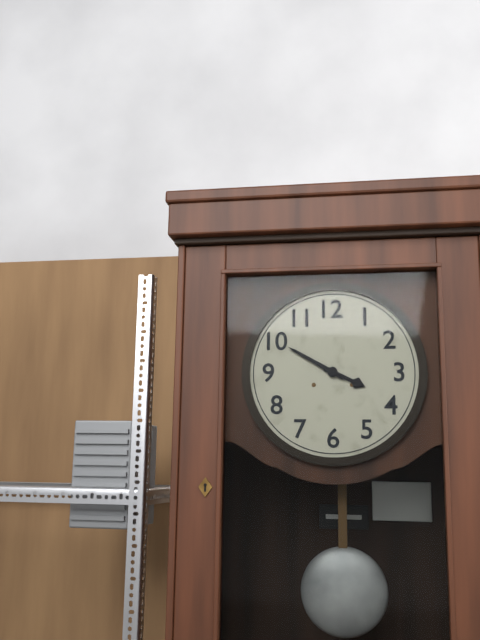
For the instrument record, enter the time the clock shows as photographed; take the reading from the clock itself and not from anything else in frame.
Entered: 3:50
